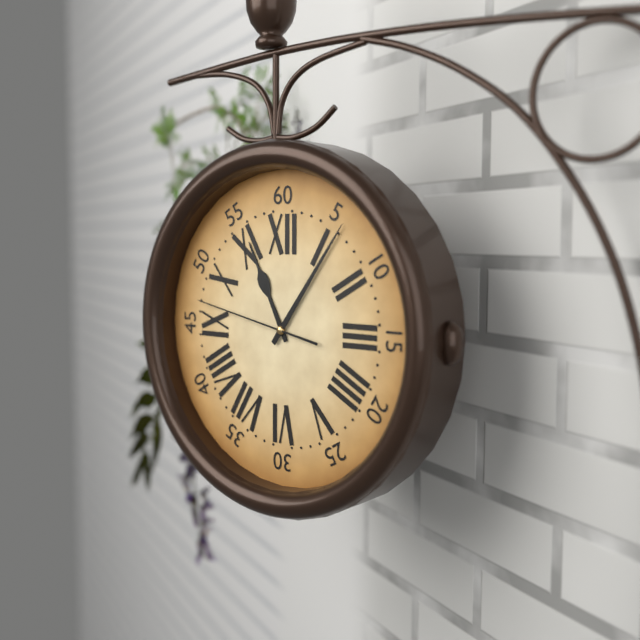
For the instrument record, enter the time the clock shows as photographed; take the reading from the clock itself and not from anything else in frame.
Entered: 11:06:47
